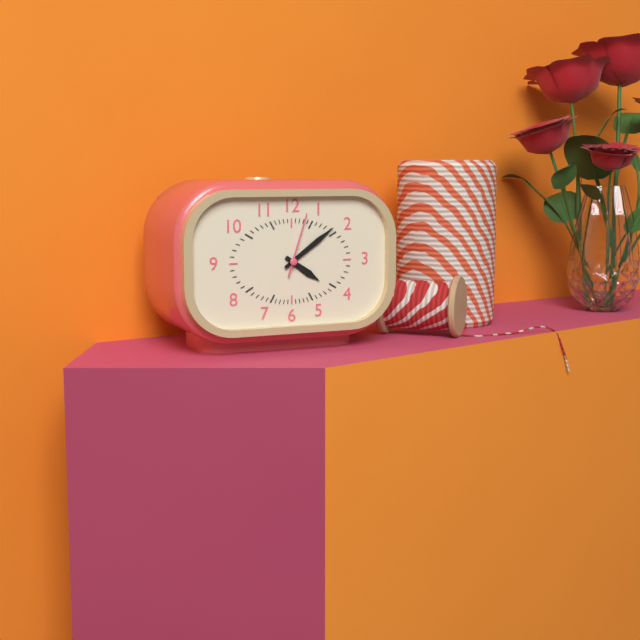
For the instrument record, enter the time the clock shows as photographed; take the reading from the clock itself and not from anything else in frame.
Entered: 4:09:03
